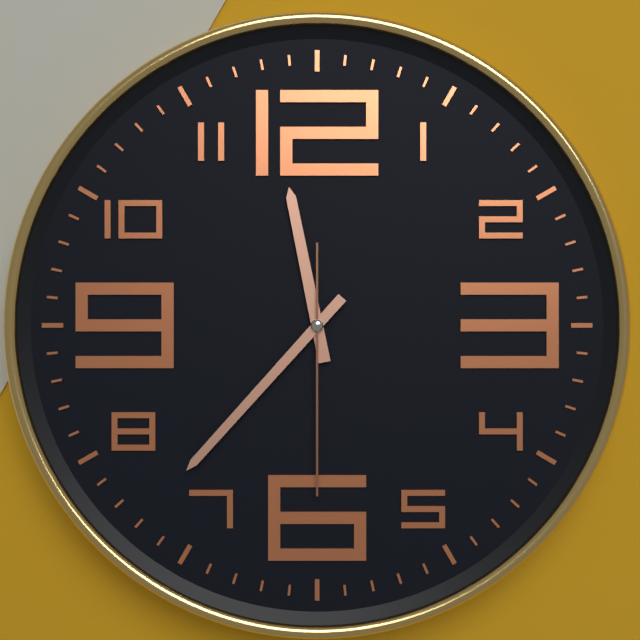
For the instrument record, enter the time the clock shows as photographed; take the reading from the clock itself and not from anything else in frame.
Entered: 11:37:30
